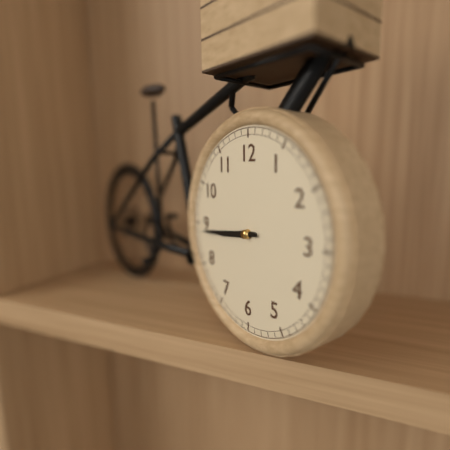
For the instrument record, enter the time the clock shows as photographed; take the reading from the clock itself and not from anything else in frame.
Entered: 8:44
